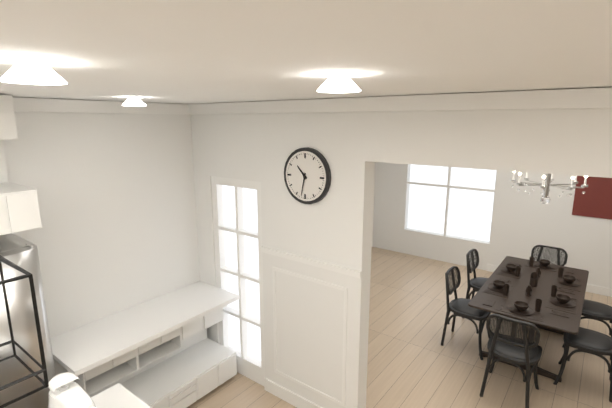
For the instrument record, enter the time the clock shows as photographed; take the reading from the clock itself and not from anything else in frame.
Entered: 10:32
